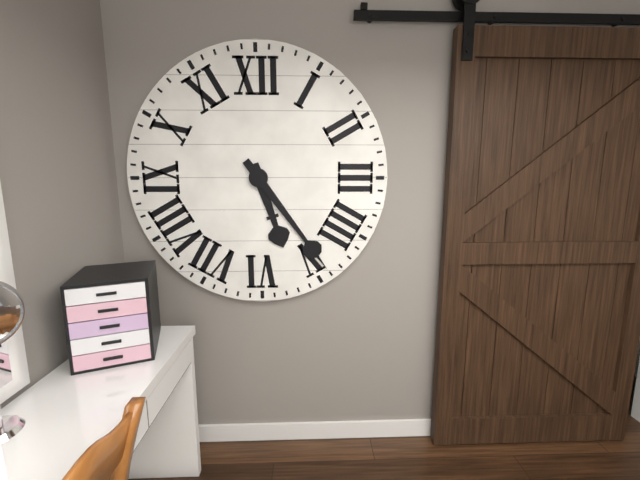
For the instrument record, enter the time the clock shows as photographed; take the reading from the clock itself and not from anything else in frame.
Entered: 5:24
